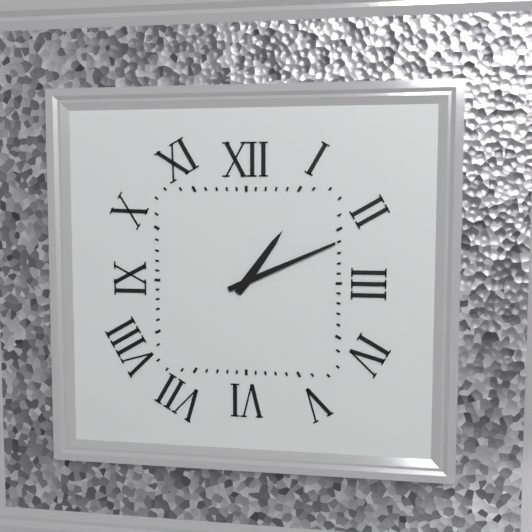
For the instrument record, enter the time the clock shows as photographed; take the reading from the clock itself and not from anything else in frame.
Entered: 1:11
